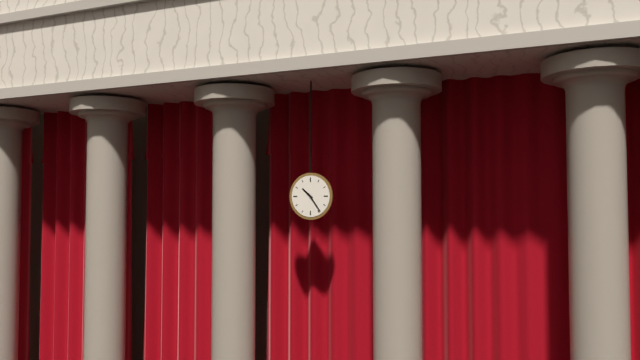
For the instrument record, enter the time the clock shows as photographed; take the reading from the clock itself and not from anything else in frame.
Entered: 10:24
